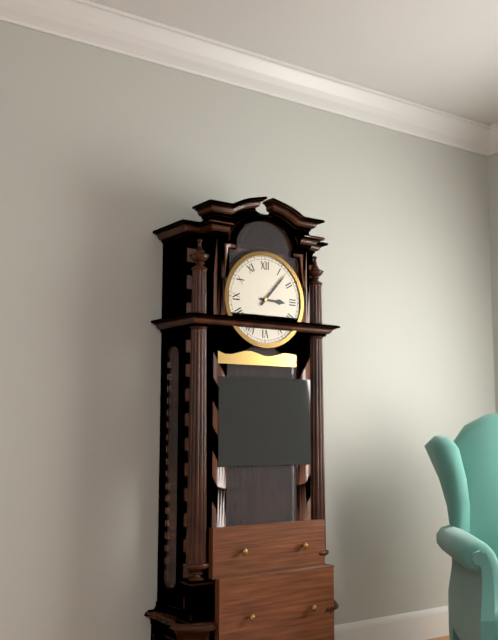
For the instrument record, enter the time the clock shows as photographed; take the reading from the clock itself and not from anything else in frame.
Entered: 3:07
